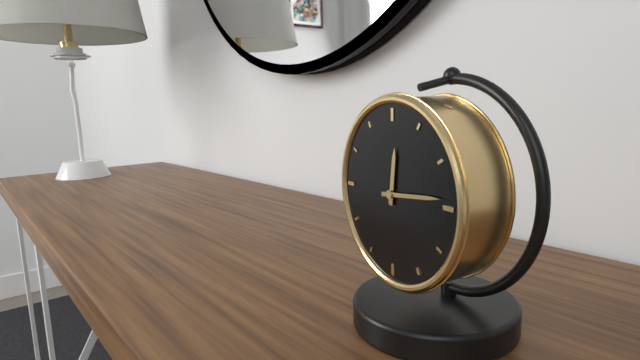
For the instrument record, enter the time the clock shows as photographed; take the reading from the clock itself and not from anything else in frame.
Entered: 12:14
